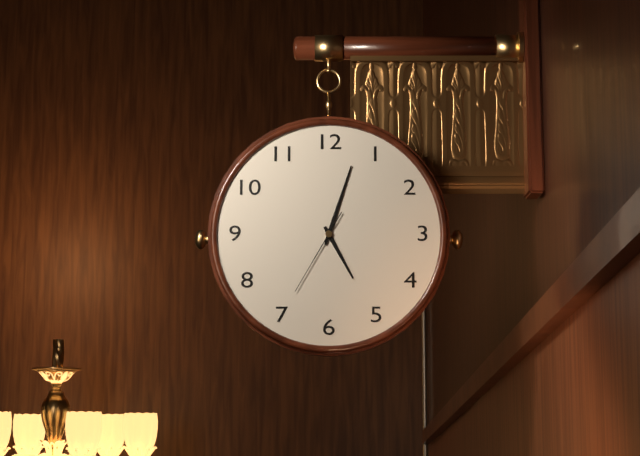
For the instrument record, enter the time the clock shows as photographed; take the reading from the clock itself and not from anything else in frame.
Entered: 5:03:35
